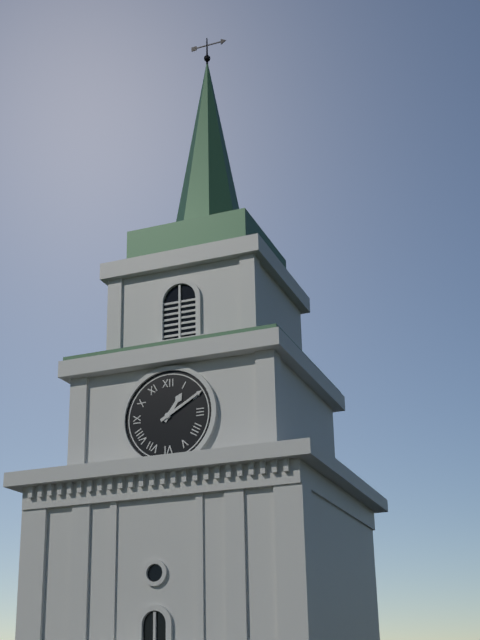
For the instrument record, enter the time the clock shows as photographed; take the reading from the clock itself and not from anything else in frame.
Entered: 1:10
